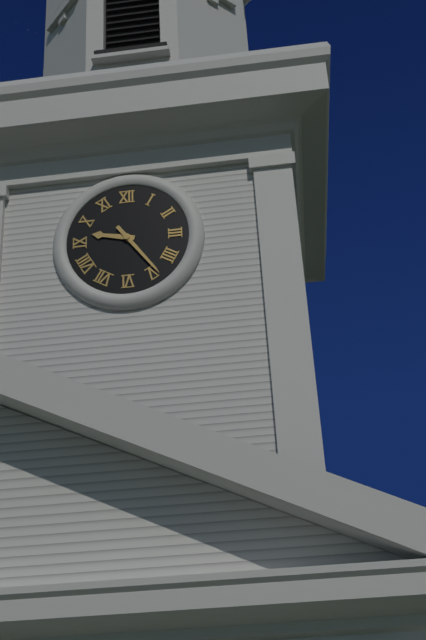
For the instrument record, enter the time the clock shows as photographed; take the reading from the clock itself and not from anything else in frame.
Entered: 9:24
